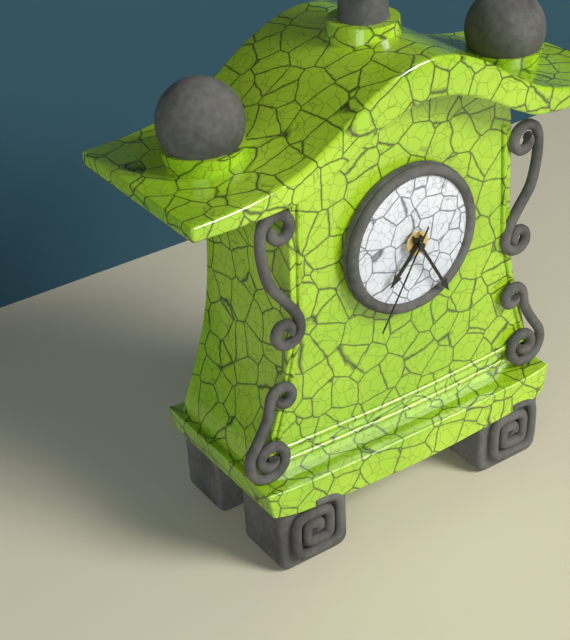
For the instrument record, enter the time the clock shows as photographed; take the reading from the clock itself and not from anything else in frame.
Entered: 7:25:35
